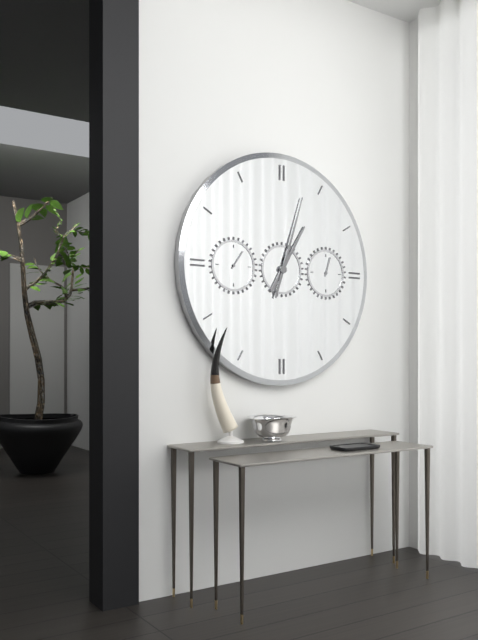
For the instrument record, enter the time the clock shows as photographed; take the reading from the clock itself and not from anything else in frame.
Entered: 1:03
